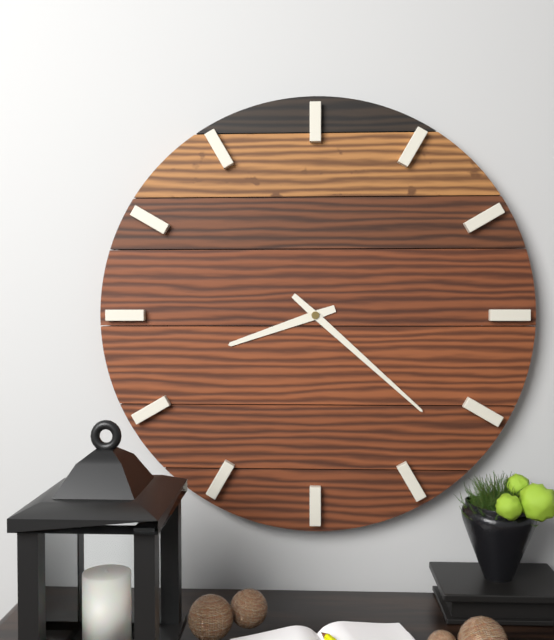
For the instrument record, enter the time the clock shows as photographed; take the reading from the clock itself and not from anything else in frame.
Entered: 8:22
